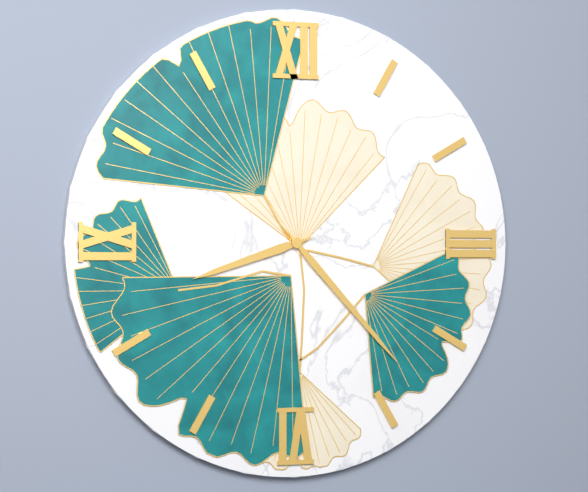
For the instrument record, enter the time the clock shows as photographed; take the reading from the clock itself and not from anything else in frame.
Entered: 8:23
